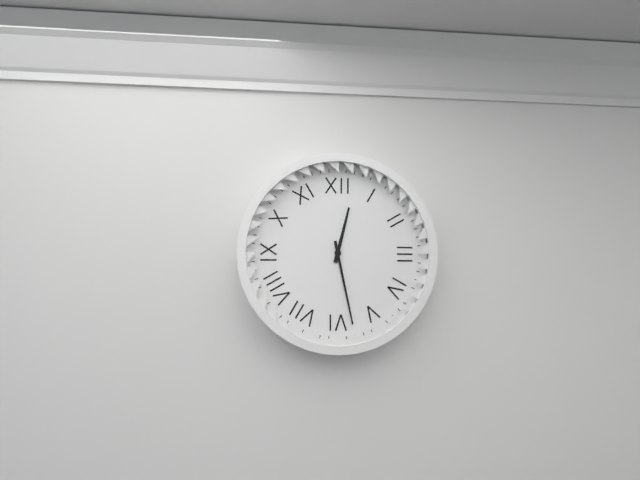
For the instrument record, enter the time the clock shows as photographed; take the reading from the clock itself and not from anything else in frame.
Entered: 12:28
